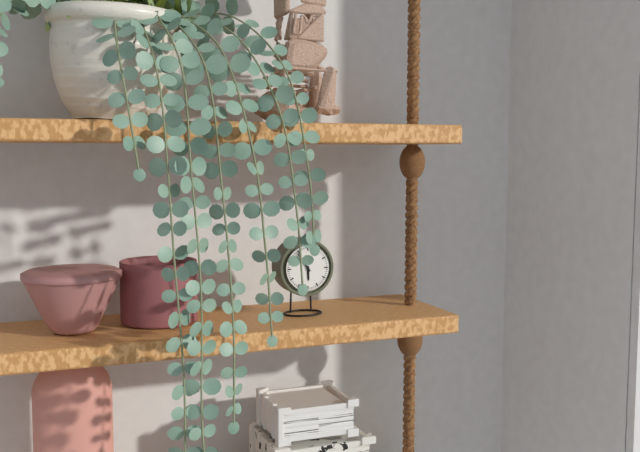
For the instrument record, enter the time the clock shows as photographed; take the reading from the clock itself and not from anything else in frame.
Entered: 5:54
